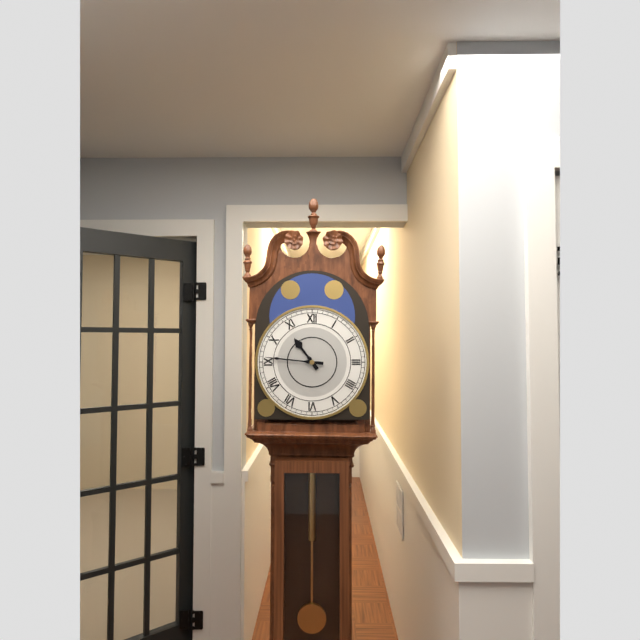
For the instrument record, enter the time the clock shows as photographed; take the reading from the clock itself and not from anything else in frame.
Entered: 10:46
